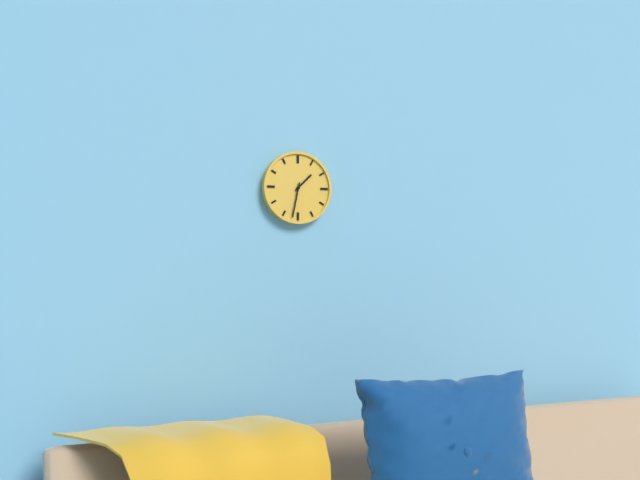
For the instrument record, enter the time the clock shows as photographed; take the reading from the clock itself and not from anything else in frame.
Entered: 1:32
